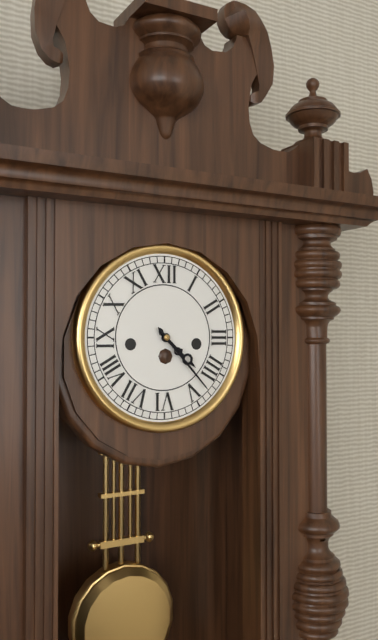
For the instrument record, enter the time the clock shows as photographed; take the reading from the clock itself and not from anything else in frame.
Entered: 4:23
